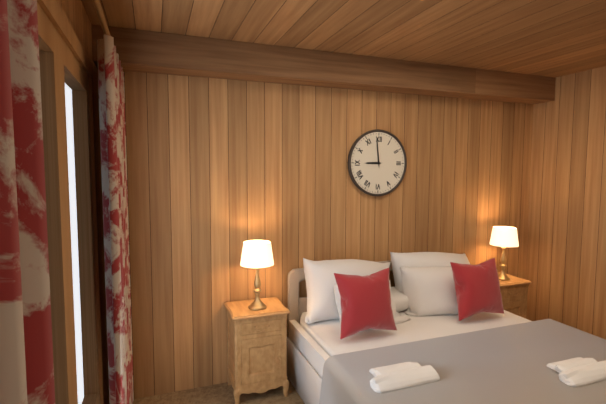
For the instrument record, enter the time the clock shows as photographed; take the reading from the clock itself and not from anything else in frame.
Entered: 8:59
